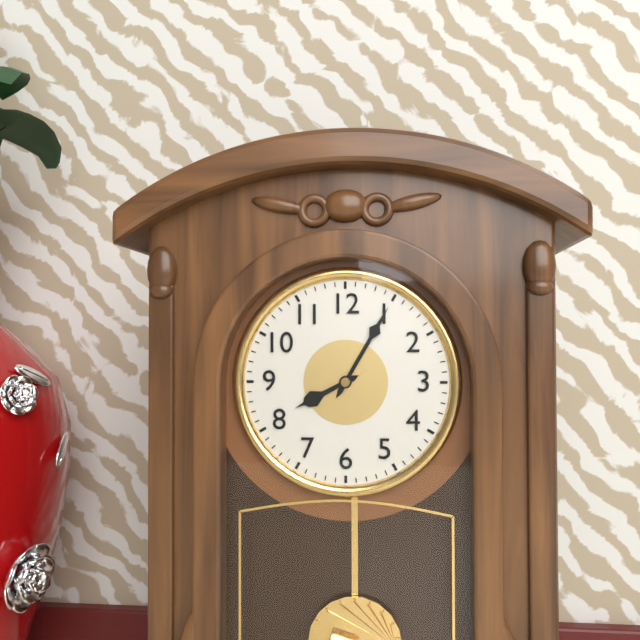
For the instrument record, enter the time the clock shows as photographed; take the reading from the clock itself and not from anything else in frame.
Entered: 8:05
